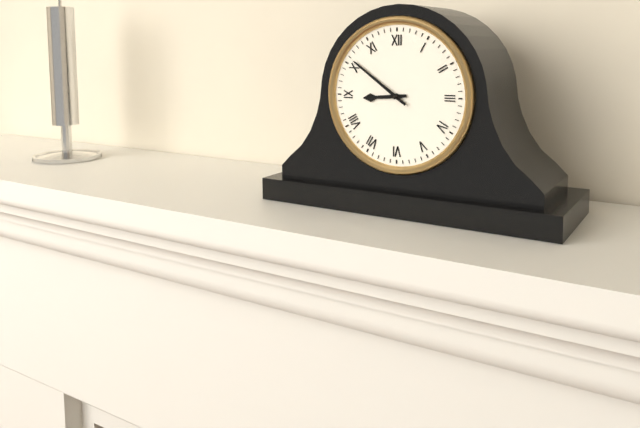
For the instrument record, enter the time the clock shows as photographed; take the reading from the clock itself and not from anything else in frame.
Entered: 8:51
